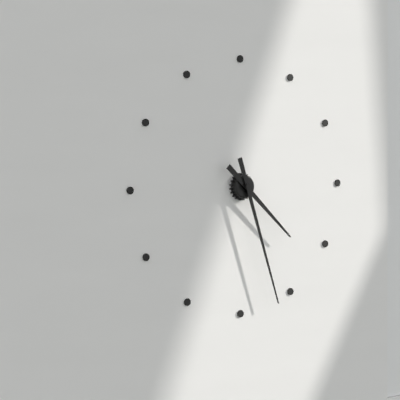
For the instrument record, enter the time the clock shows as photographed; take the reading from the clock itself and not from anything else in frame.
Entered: 4:27
